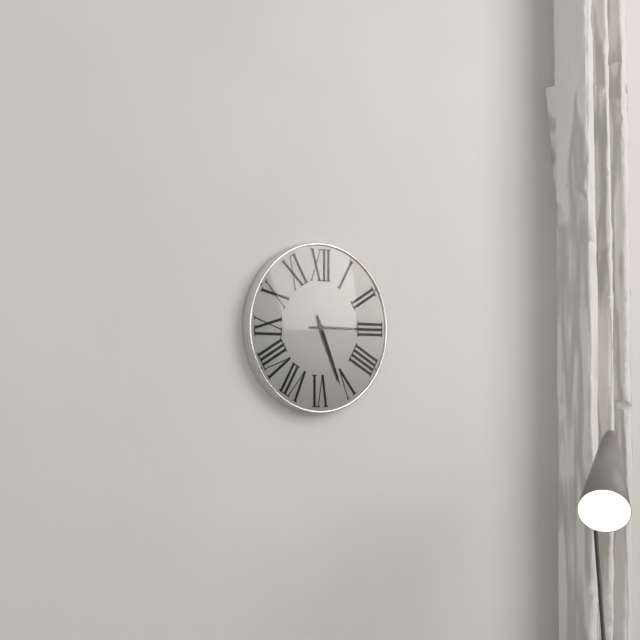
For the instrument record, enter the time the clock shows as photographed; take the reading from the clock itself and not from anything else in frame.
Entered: 5:15
